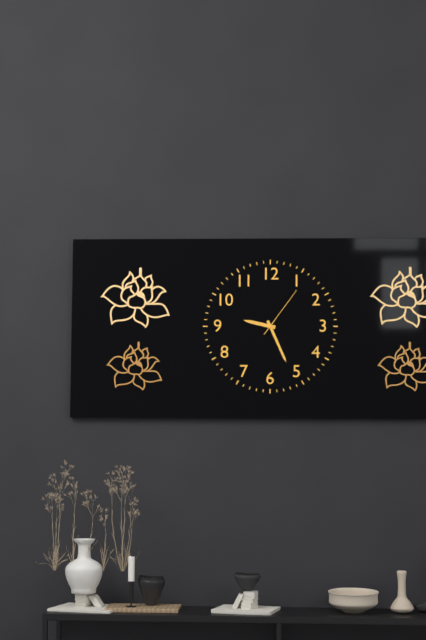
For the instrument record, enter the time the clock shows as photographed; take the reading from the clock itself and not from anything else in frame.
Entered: 9:26:06
